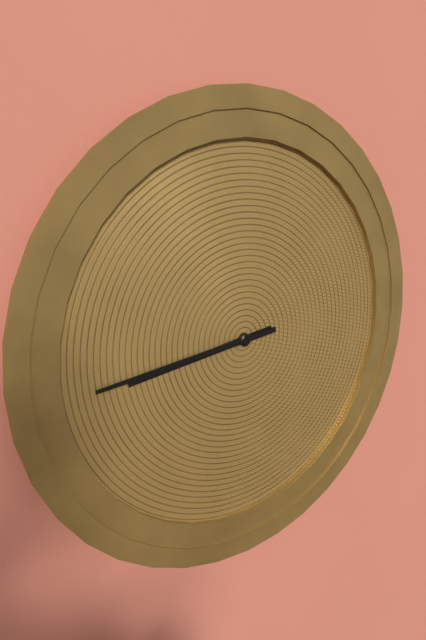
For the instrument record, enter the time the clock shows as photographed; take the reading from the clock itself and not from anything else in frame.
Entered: 8:44
